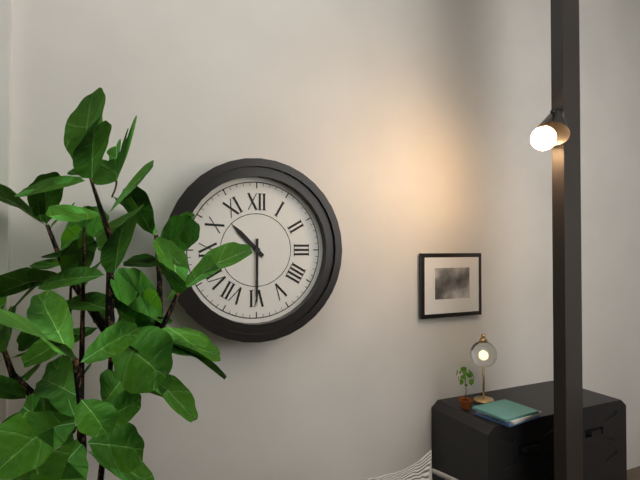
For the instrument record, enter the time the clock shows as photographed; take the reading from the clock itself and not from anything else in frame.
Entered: 10:30
